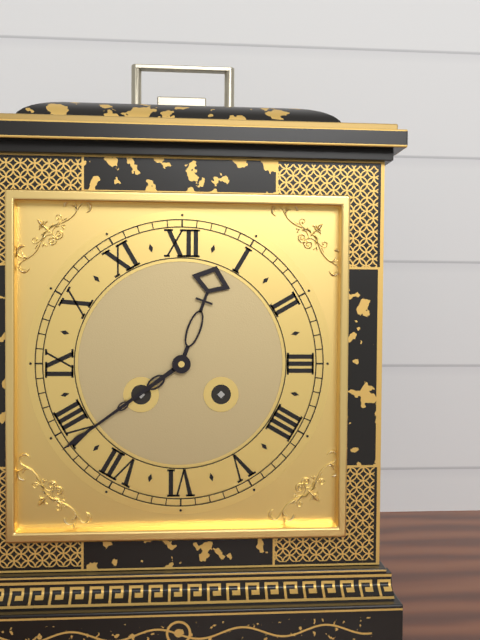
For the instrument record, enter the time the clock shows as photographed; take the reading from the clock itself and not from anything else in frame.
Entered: 12:39
